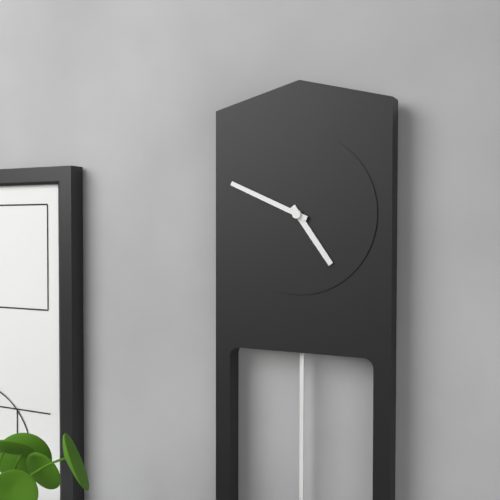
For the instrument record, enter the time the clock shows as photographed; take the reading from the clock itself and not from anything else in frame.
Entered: 4:49
